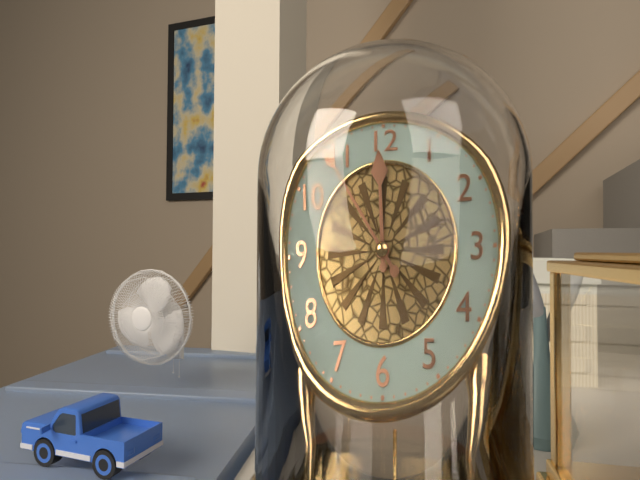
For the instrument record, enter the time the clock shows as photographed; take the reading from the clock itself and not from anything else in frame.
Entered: 11:54
